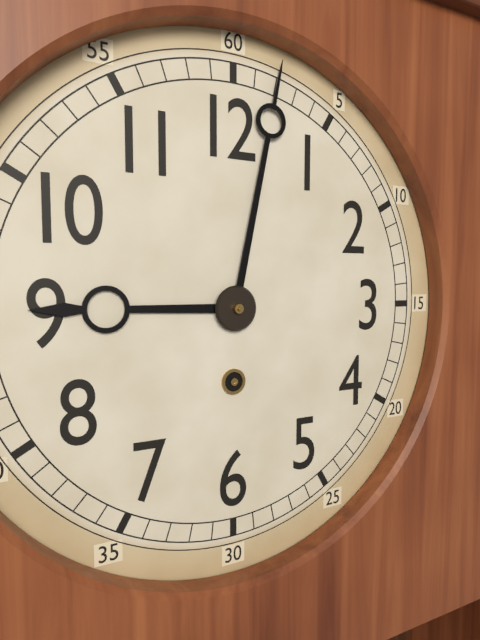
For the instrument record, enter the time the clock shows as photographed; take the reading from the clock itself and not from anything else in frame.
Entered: 9:02
